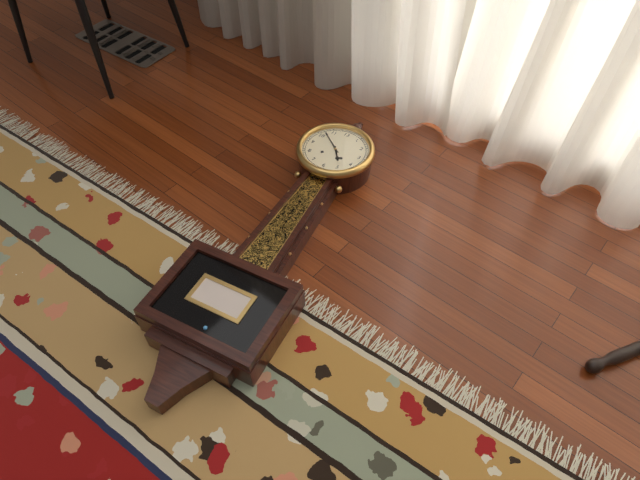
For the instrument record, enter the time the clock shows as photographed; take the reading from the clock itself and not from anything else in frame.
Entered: 4:52
